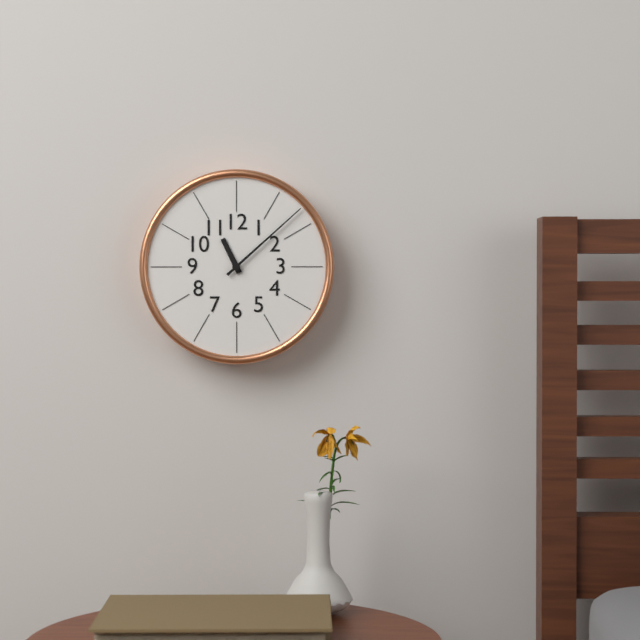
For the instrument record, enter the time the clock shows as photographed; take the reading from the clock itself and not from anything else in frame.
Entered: 11:08
